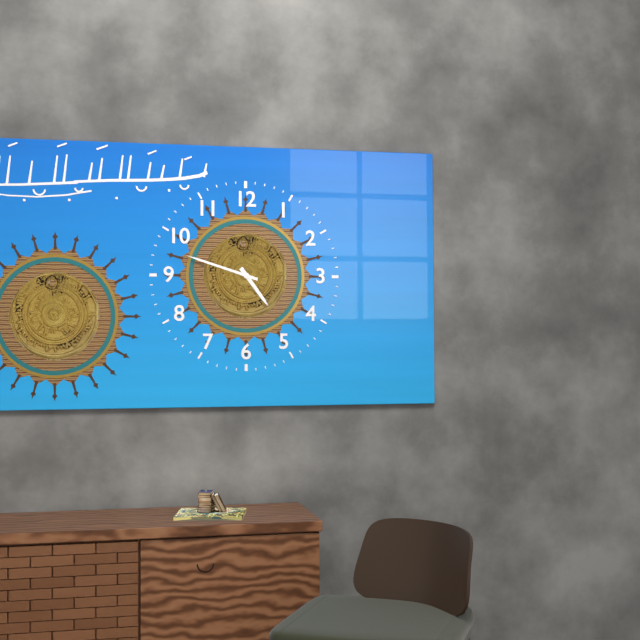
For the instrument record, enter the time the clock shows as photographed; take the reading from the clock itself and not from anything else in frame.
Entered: 4:48
